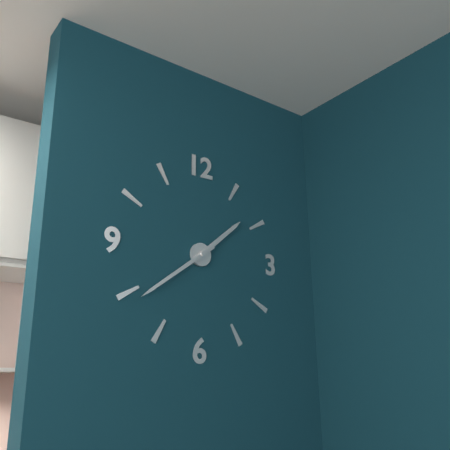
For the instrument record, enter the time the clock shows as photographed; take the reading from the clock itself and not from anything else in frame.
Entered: 1:39
